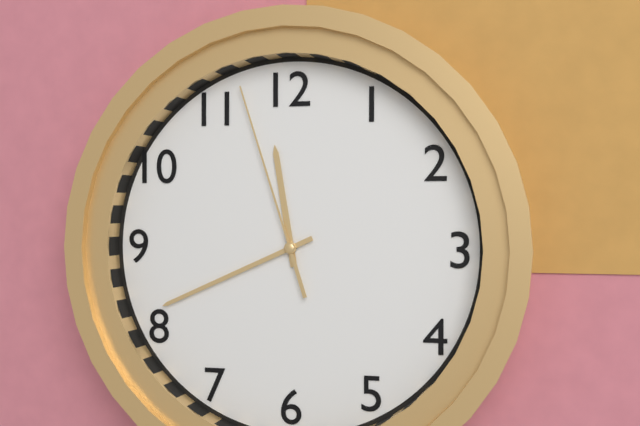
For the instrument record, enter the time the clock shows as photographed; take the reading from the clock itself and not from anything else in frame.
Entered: 11:41:57
